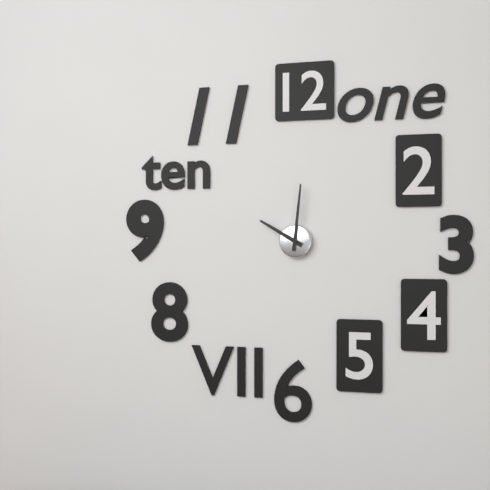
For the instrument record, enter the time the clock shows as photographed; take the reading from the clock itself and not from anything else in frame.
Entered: 10:01
